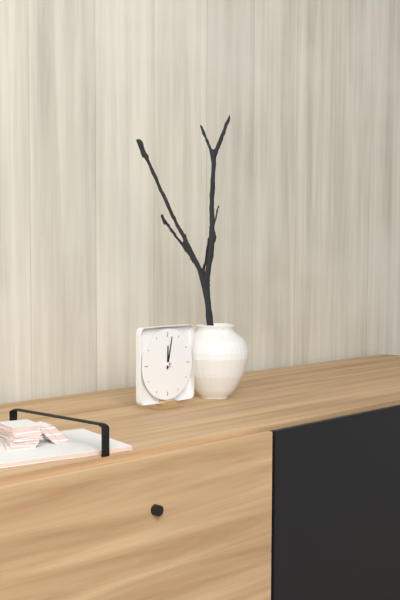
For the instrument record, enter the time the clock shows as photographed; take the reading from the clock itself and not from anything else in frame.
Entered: 12:02
